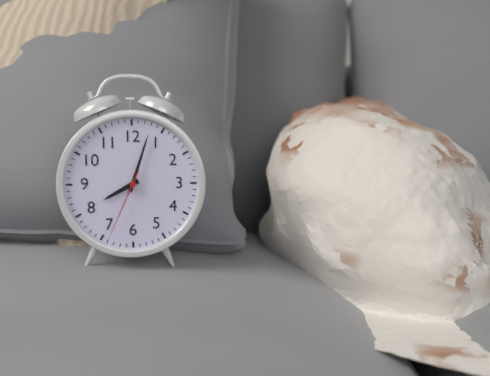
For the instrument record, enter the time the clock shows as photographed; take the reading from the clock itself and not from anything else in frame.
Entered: 8:03:34
